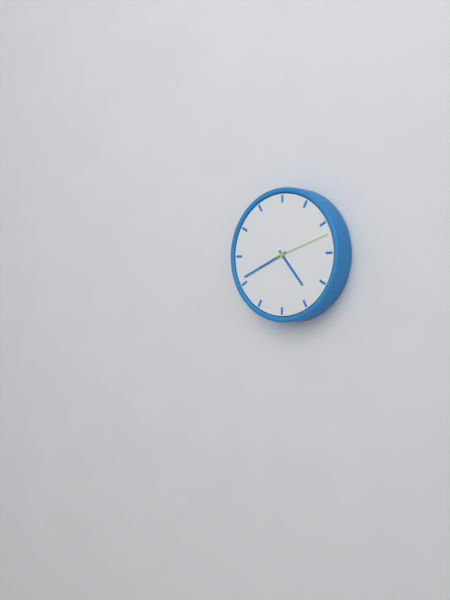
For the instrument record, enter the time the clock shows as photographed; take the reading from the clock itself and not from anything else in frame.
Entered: 4:41:12
